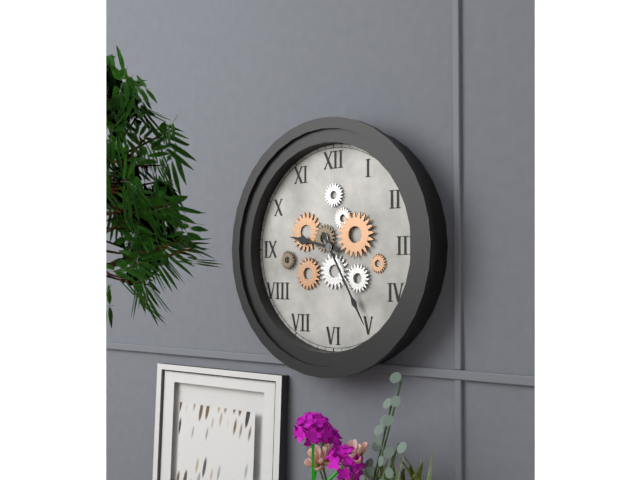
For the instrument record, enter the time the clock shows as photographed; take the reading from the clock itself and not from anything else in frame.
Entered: 9:25
